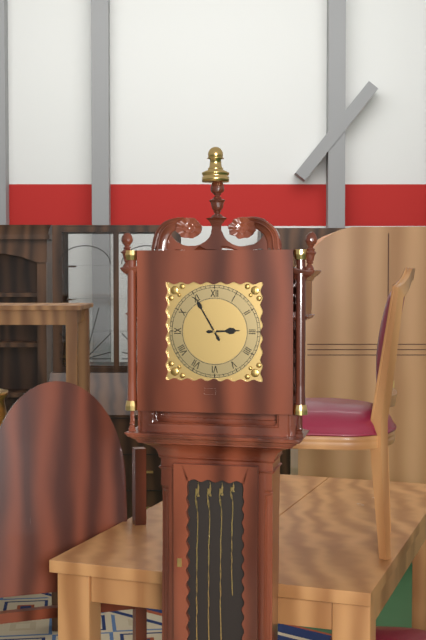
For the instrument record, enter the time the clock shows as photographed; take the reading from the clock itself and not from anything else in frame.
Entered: 2:55
